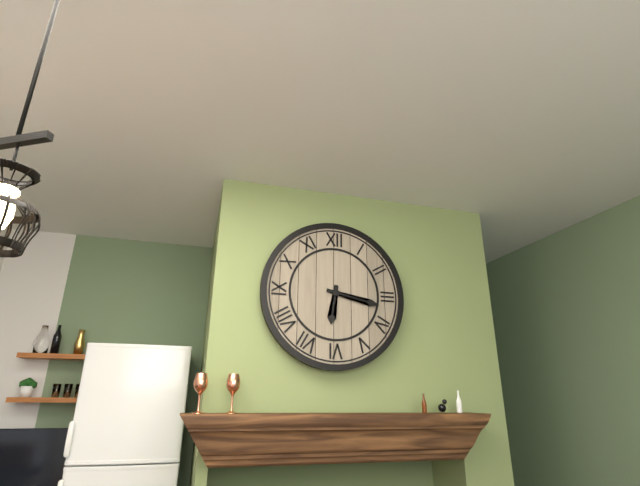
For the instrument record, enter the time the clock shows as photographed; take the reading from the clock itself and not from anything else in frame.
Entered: 6:17
